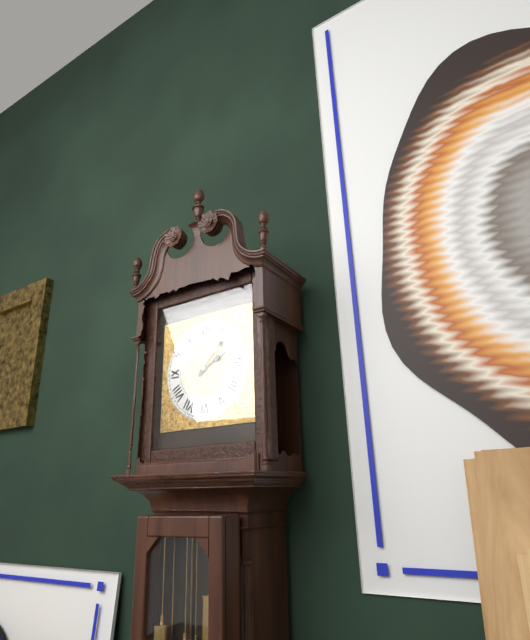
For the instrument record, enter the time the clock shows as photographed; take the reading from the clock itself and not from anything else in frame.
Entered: 2:07
